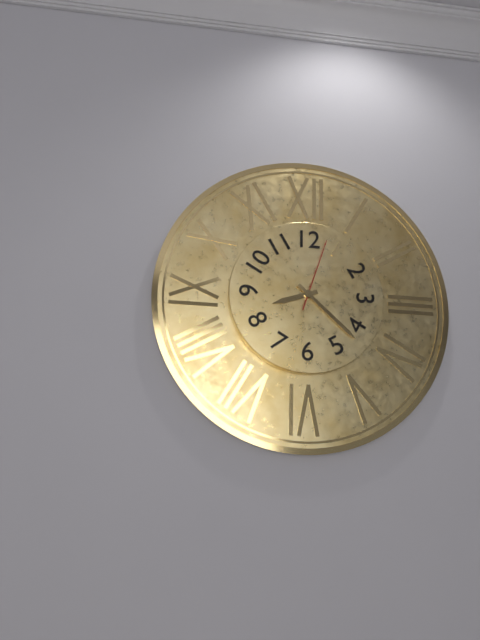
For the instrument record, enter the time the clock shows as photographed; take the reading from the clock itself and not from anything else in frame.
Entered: 8:22:03
